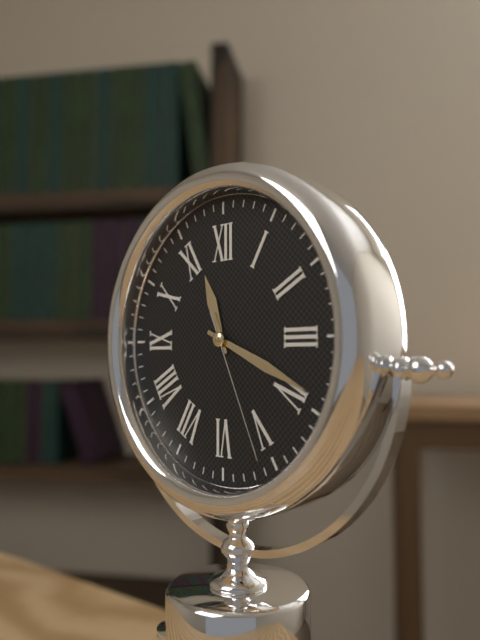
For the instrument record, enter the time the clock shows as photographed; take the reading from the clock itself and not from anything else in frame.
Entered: 11:19:26
